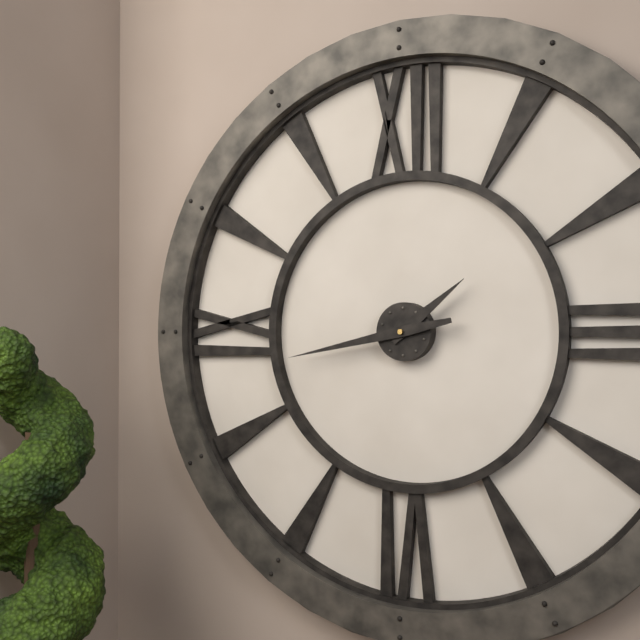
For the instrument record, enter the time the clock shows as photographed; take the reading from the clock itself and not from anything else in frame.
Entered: 1:43
